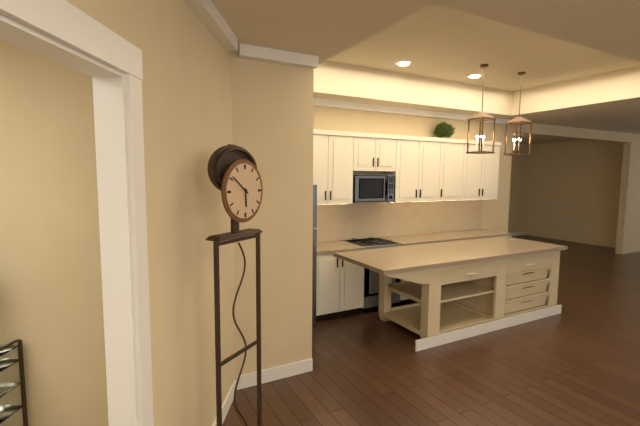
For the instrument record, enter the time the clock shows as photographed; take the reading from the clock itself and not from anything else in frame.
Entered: 5:51
